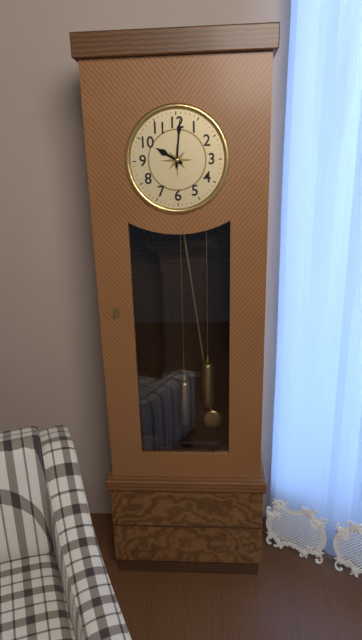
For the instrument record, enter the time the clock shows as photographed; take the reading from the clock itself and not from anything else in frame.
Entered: 10:01
